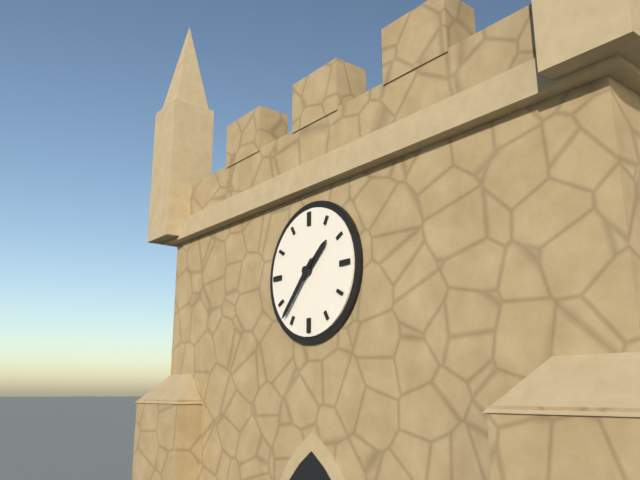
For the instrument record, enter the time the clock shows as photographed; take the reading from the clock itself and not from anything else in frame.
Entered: 1:37
